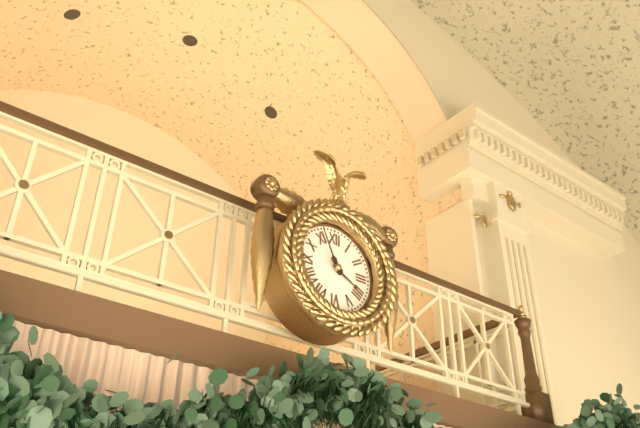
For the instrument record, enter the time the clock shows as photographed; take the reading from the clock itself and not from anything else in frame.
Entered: 3:56
